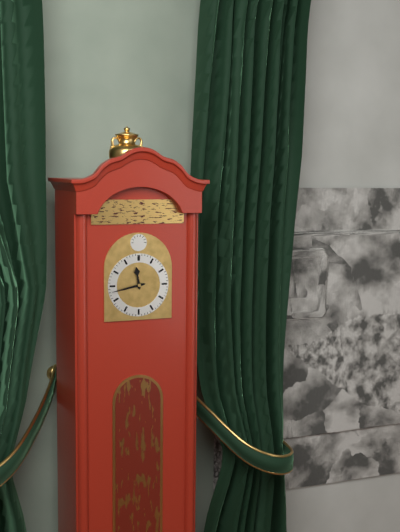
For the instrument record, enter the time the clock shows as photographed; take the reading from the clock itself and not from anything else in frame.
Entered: 11:43
